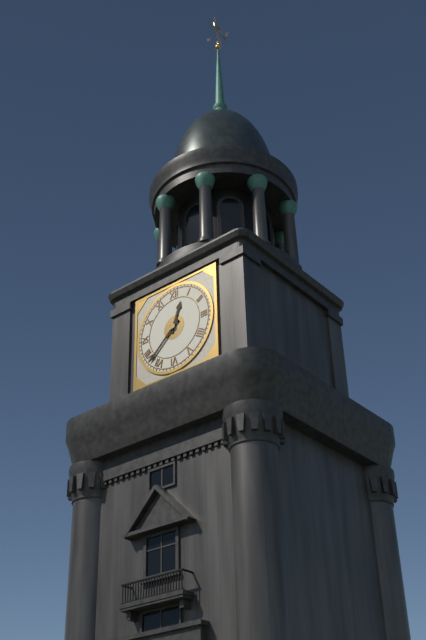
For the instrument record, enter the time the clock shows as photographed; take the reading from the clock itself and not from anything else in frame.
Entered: 12:38
